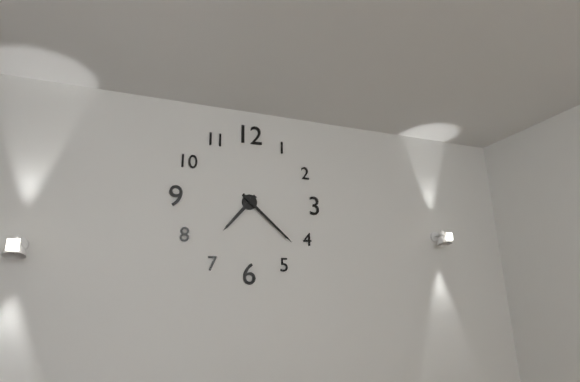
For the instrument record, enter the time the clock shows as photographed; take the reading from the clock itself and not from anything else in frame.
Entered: 7:22
